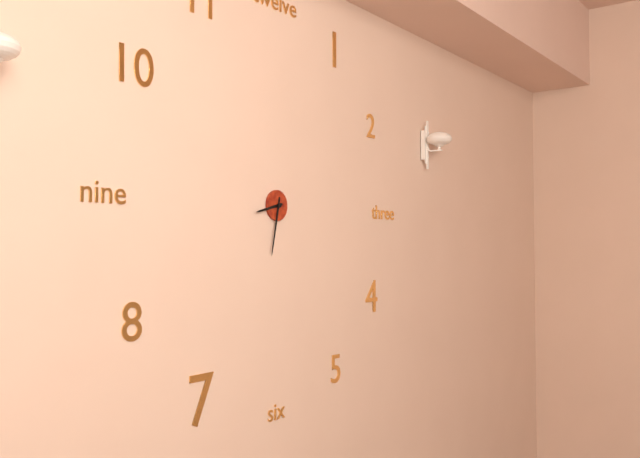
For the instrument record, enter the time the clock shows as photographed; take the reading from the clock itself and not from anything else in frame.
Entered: 8:32
